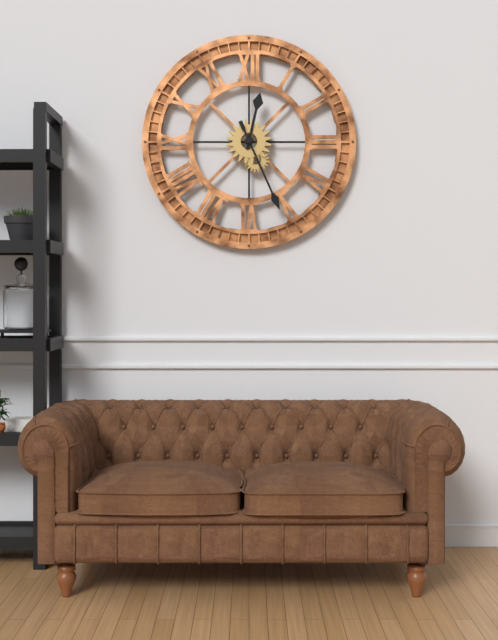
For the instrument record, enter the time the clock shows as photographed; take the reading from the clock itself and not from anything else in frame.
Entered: 12:26
